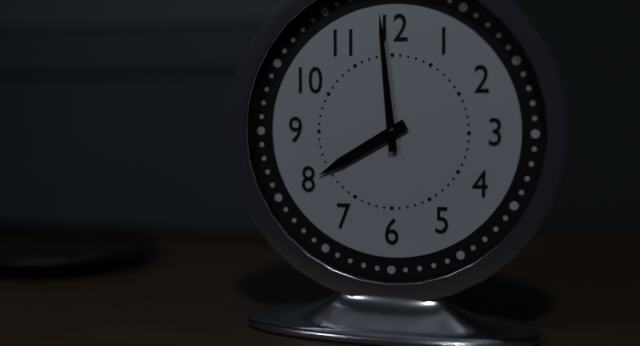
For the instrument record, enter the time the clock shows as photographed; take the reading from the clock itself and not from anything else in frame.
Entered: 7:59
